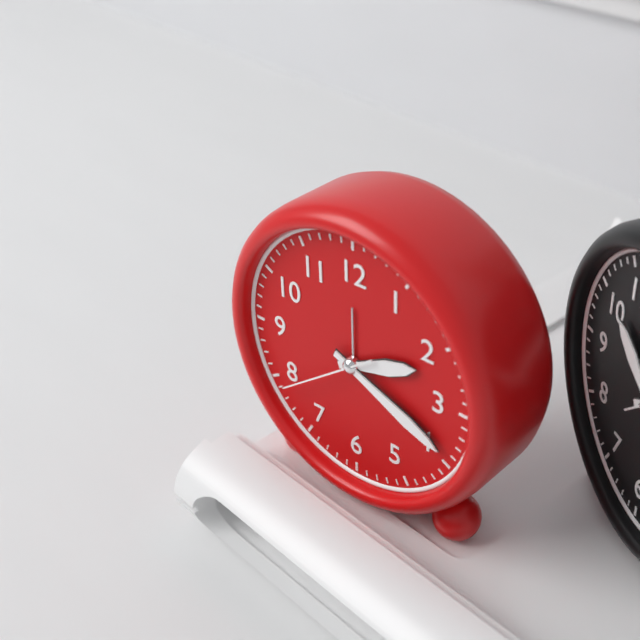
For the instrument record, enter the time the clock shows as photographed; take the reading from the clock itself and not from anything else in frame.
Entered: 2:19:39
